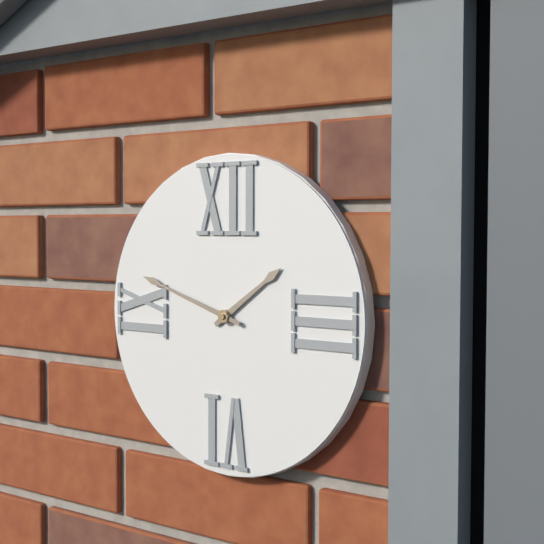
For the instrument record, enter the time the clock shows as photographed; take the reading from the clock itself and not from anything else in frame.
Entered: 1:48
